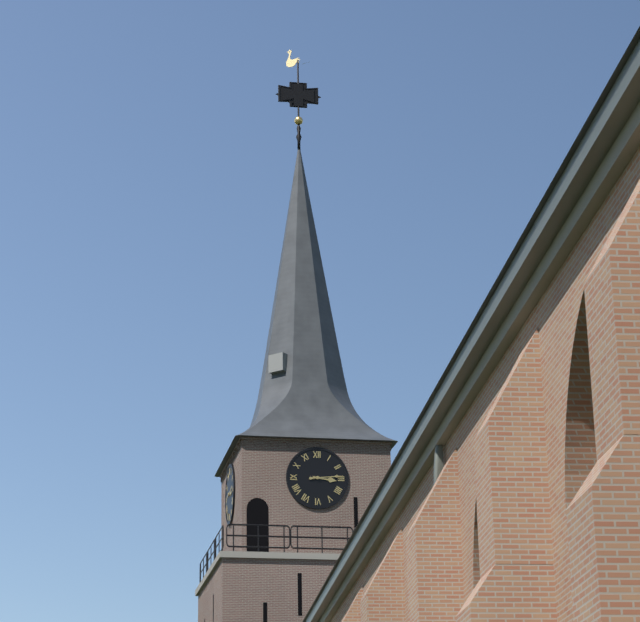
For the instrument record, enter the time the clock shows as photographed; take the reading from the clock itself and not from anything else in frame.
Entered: 3:14
